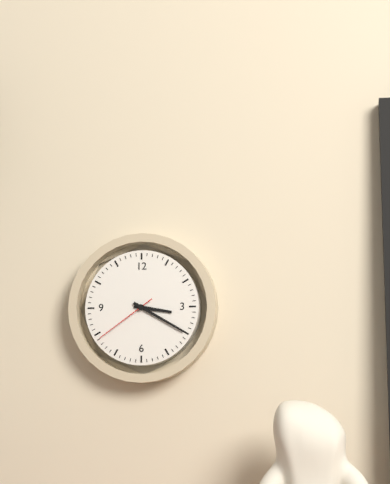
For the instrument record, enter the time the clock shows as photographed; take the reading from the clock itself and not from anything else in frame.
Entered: 3:20:39
